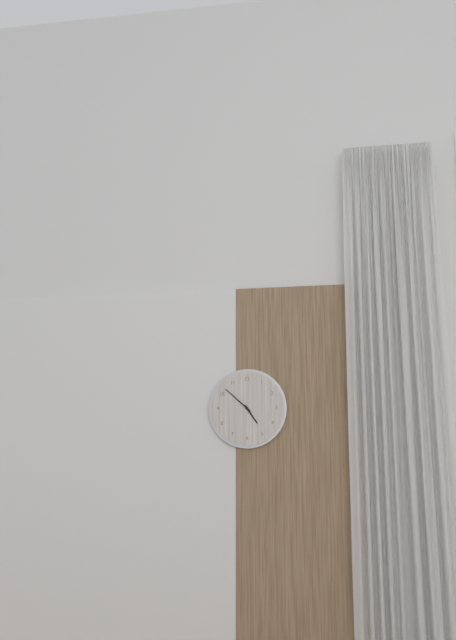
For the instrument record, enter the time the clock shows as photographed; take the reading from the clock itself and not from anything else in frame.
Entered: 4:52
